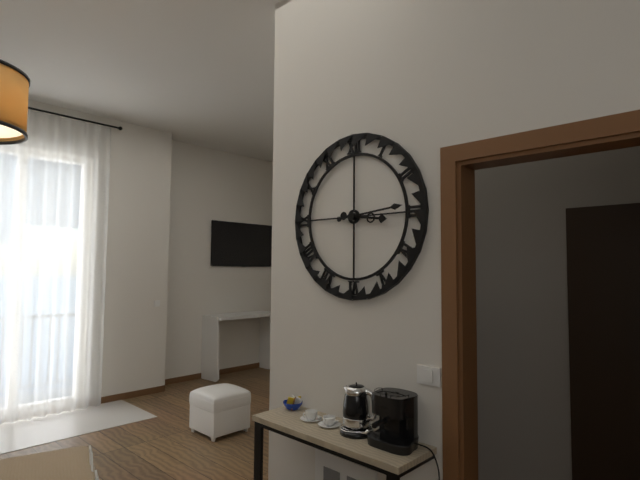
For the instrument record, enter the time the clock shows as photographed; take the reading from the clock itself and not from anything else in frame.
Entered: 3:14
